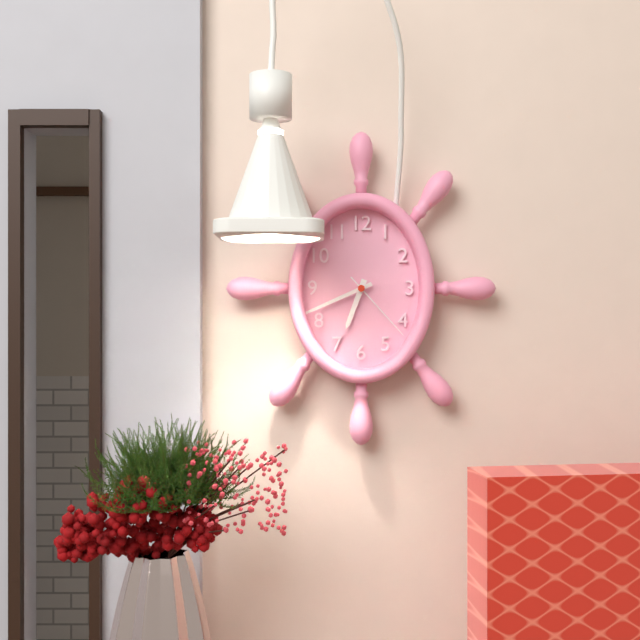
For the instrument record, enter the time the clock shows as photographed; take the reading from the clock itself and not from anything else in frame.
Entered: 6:41:23
